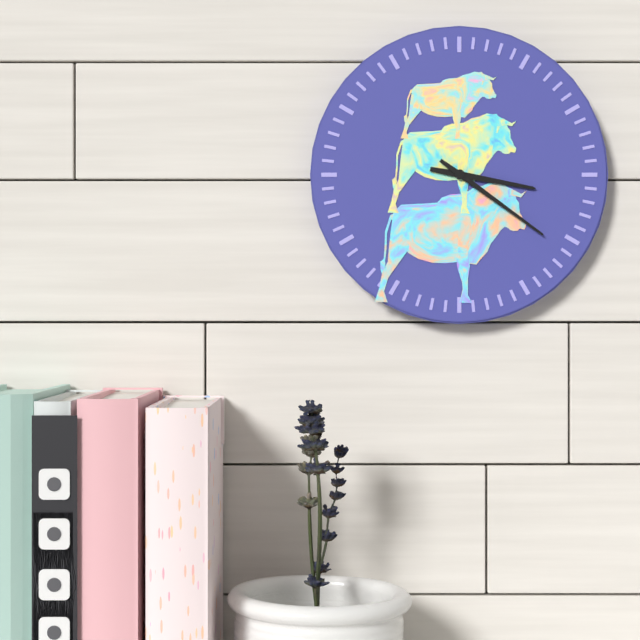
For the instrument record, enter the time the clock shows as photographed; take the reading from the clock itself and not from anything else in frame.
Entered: 3:21
